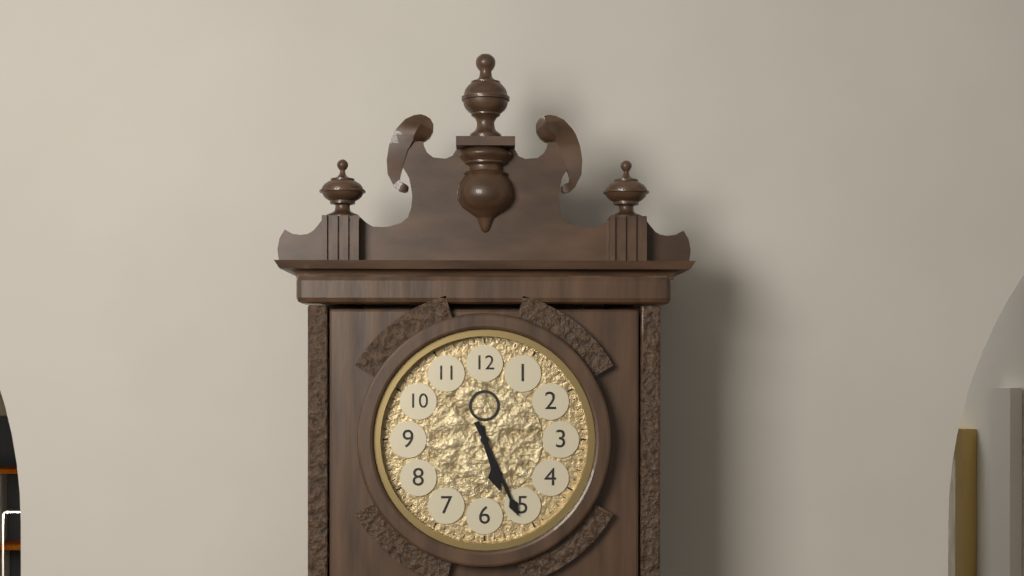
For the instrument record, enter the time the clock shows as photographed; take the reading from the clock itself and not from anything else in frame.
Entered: 5:26
